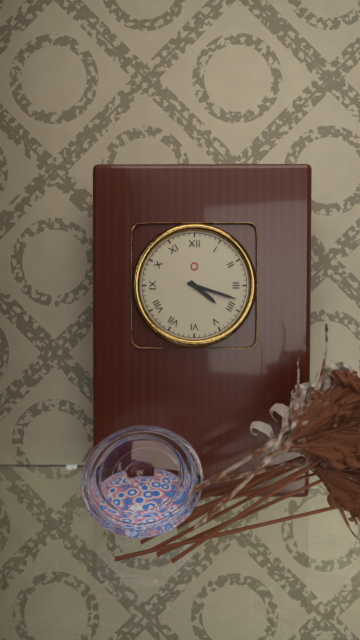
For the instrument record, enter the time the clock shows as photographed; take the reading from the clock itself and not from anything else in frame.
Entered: 4:18
